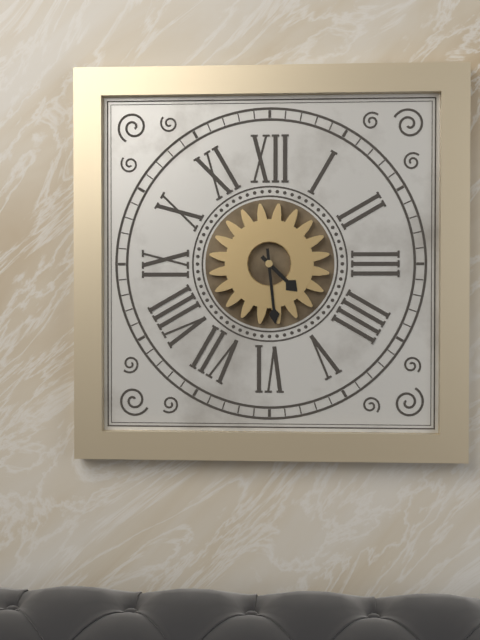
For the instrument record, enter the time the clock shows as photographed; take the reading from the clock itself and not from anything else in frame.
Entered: 4:29
